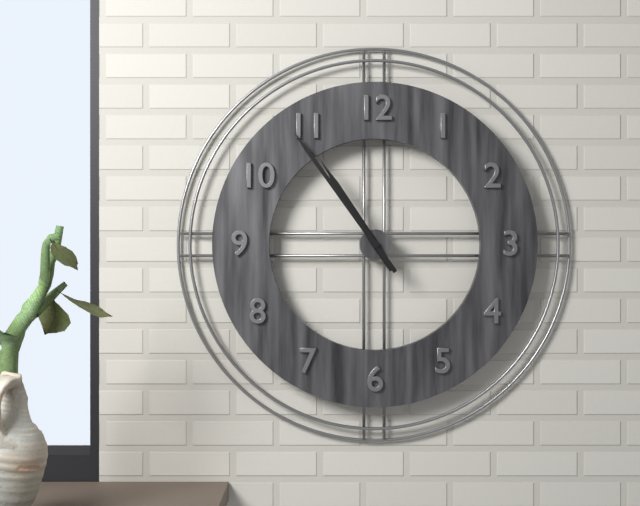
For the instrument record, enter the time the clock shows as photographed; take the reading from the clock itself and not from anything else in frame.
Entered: 10:54
